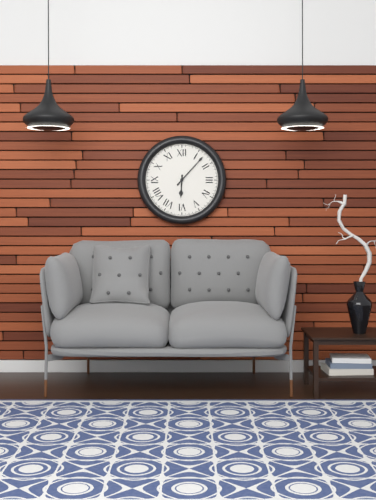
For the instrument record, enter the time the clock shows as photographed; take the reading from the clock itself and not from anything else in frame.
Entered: 6:07
